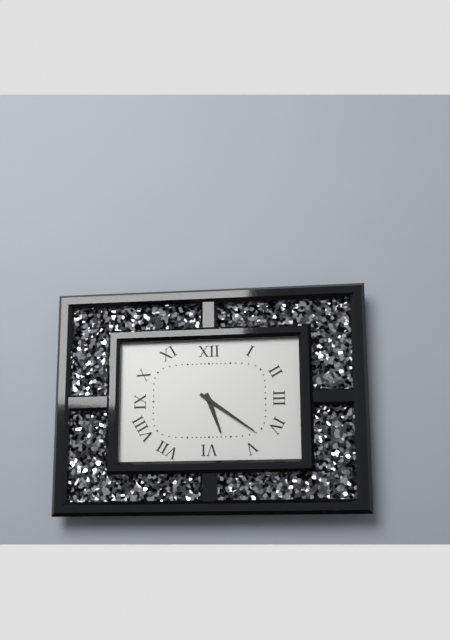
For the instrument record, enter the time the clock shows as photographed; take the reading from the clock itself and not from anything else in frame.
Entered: 5:21
